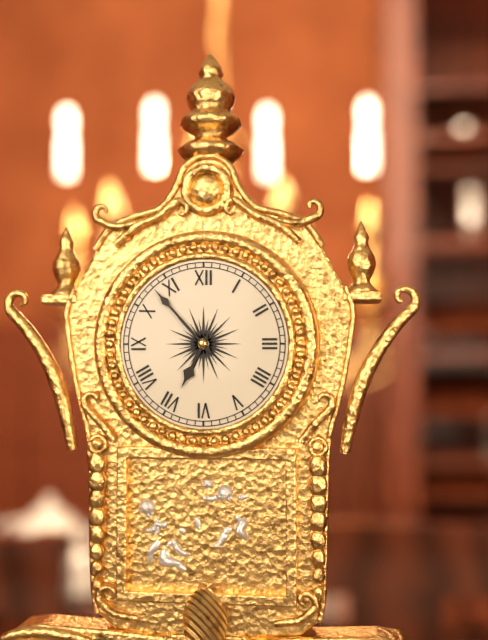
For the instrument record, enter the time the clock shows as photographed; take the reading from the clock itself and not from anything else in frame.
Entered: 6:53
